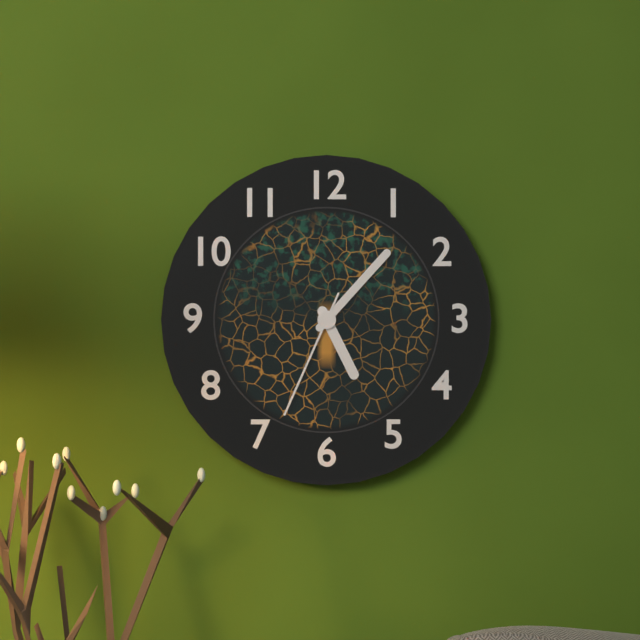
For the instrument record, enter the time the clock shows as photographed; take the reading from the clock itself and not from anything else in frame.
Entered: 5:07:34
